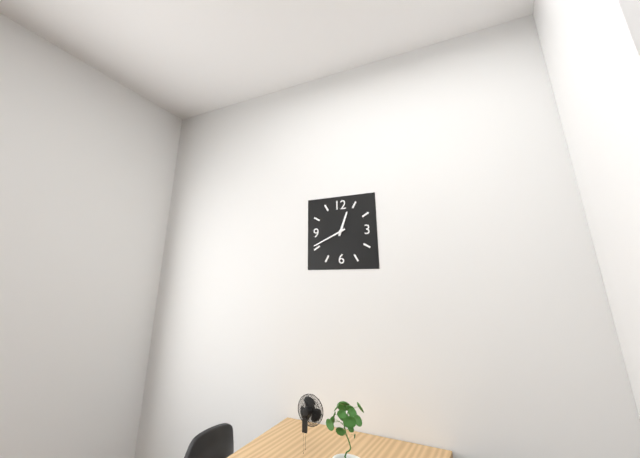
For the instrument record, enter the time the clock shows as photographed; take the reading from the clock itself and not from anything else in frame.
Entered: 12:41
